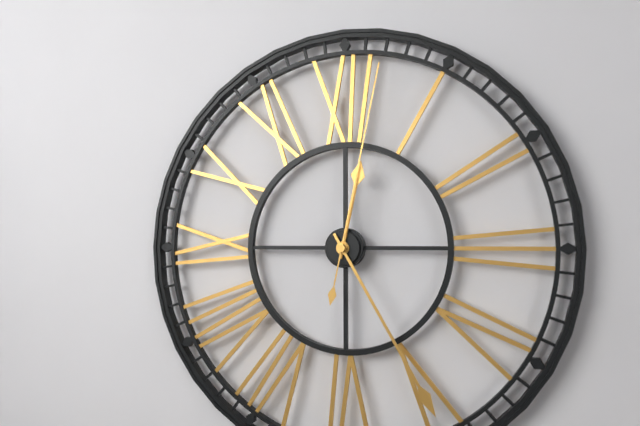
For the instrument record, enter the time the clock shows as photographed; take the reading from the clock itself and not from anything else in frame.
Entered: 12:25:02
